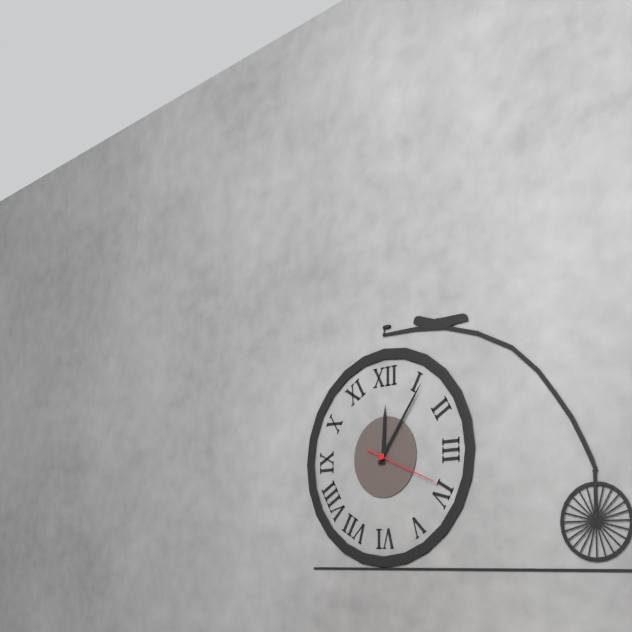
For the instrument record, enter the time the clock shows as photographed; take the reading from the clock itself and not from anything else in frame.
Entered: 12:06:19
